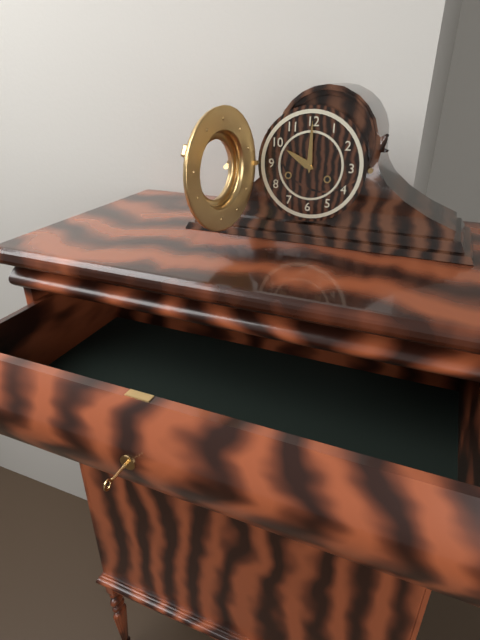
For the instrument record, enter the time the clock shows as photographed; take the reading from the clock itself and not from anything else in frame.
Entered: 10:00
